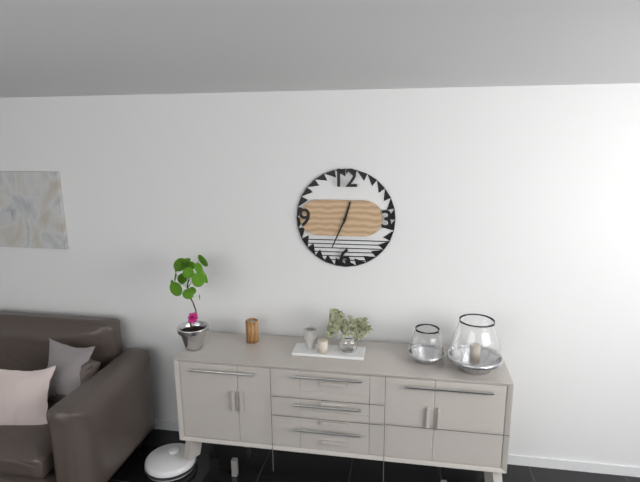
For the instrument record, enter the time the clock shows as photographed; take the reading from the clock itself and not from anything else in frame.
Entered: 12:34
